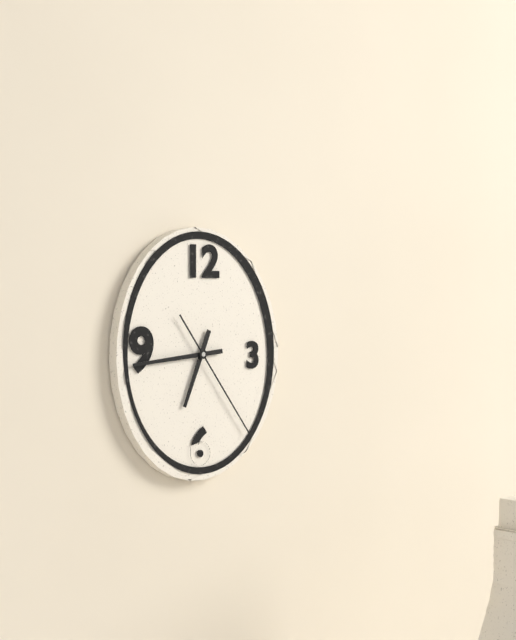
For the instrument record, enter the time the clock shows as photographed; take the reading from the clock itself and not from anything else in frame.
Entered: 6:44:24
